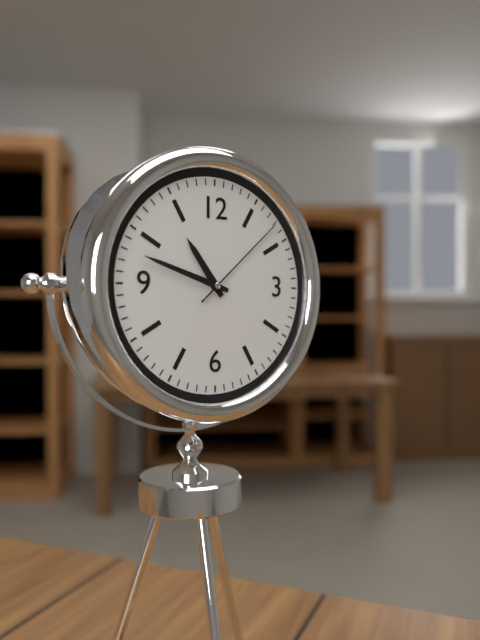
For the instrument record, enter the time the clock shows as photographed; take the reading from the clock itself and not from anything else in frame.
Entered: 10:48:08
